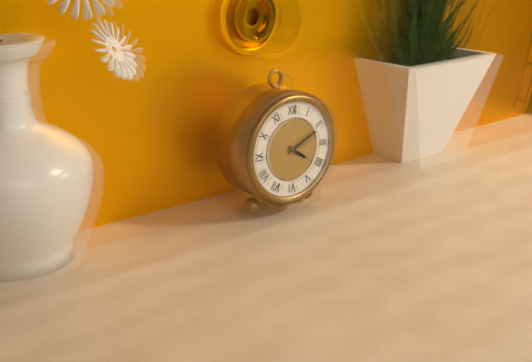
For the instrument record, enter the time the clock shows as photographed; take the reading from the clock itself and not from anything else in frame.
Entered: 4:11
